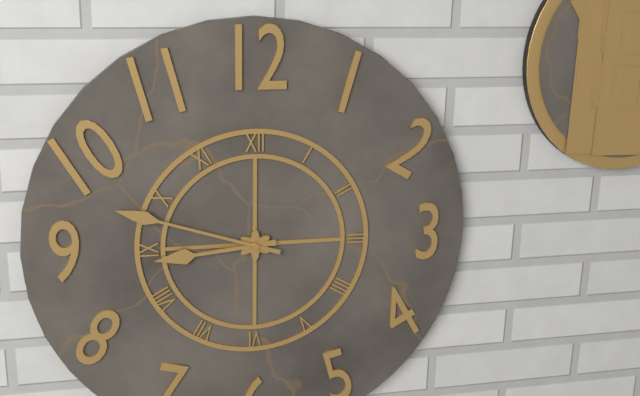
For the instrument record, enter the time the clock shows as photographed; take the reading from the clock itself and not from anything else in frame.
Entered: 8:48
